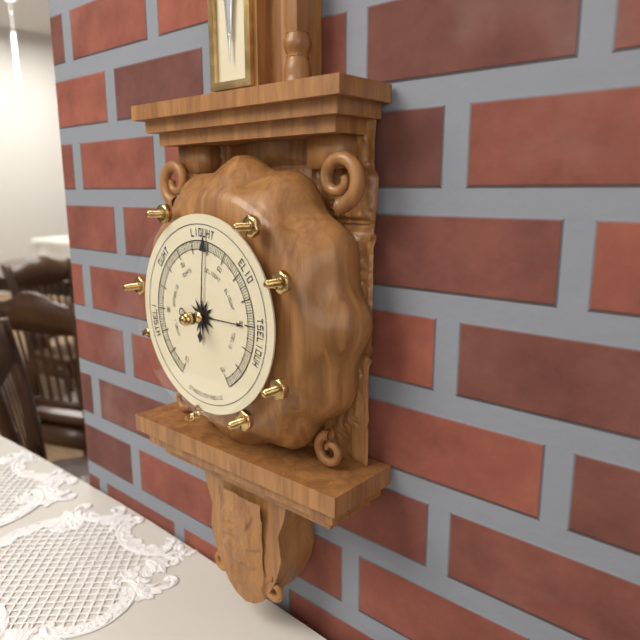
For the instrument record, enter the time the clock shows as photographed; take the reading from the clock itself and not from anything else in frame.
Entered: 3:01
